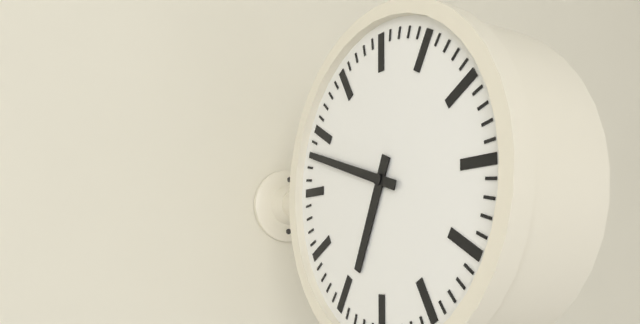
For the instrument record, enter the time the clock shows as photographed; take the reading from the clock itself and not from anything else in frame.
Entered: 6:48
